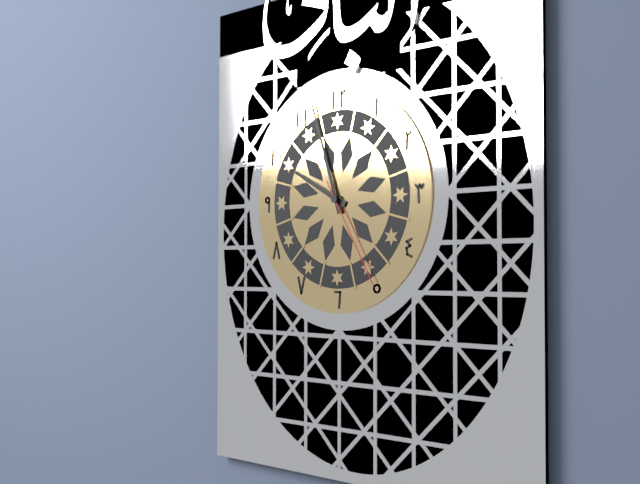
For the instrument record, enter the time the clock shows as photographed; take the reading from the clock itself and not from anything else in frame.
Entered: 9:57:25
